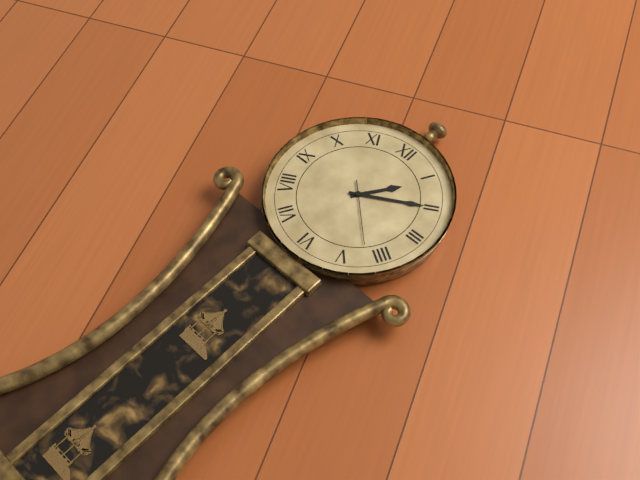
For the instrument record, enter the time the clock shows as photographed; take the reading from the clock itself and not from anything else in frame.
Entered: 1:10:22
